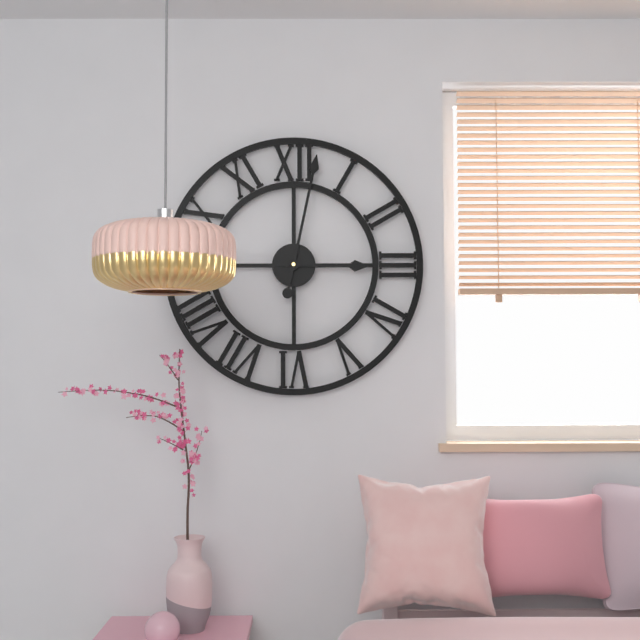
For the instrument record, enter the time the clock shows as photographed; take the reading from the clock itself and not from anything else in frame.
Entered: 3:02
